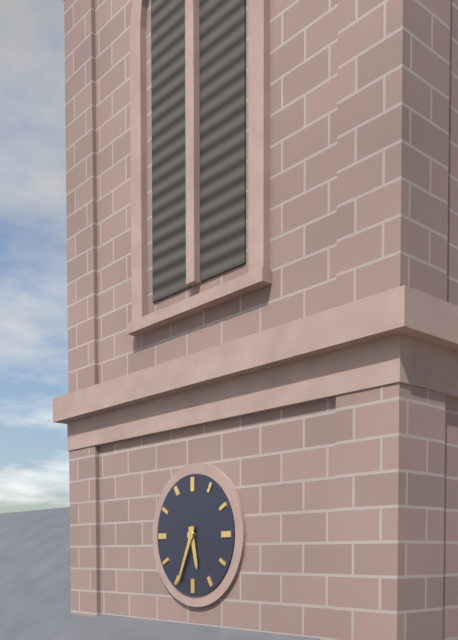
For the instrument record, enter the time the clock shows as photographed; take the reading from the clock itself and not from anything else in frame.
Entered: 5:34
